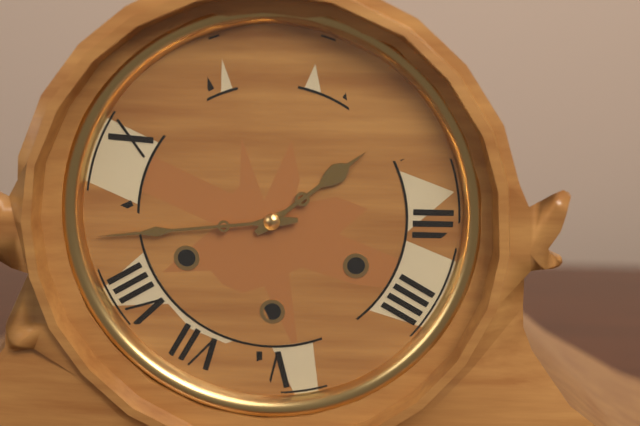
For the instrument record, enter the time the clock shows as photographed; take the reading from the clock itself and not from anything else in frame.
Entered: 1:44
